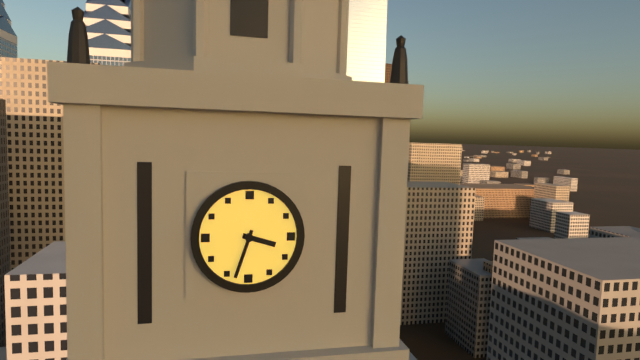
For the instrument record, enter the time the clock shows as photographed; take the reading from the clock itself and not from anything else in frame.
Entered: 3:33
